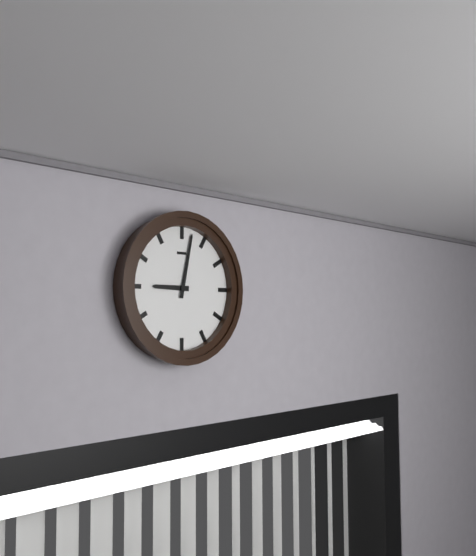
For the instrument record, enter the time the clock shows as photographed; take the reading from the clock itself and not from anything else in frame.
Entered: 9:02
